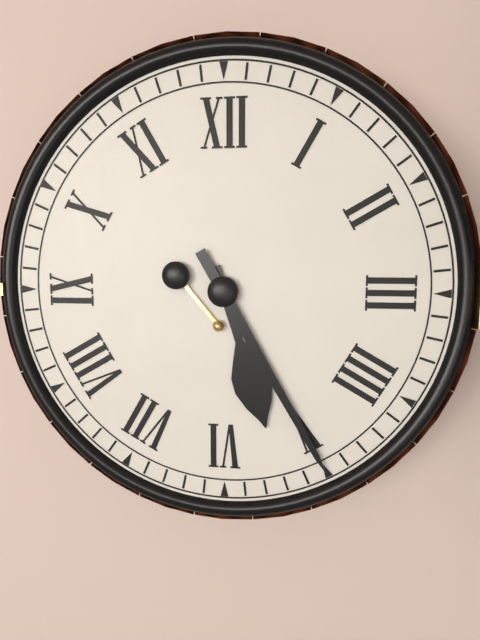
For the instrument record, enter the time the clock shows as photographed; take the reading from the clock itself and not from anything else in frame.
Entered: 5:25
